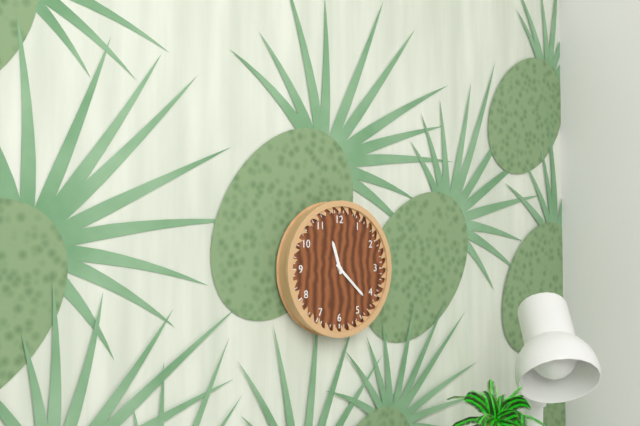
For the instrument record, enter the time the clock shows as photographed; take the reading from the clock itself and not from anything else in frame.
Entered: 11:22
